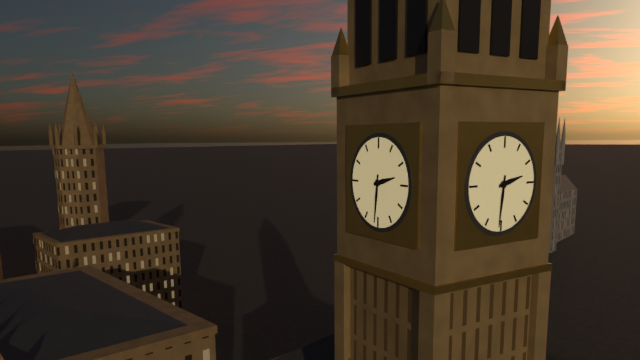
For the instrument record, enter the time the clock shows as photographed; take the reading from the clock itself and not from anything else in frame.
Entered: 2:31
